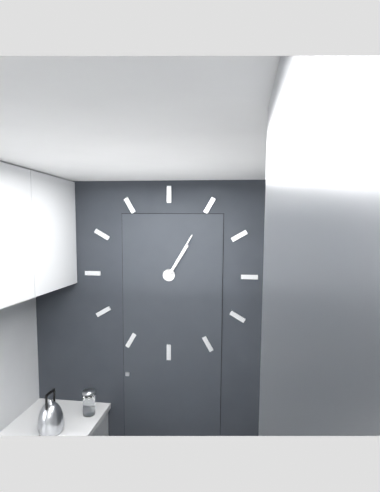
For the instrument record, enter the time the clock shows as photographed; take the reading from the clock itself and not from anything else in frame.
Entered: 1:05
